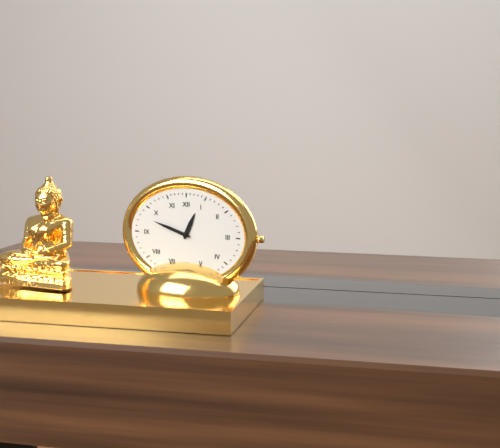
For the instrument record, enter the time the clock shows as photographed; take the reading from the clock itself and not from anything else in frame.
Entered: 12:48
